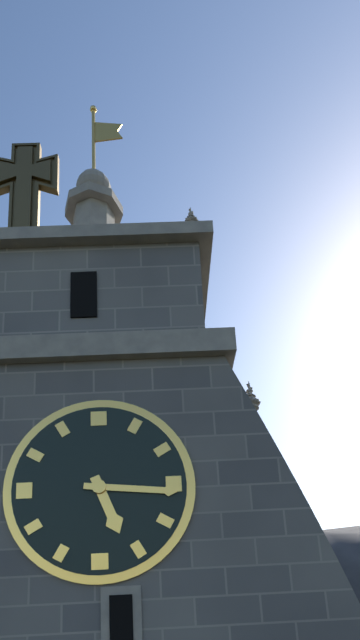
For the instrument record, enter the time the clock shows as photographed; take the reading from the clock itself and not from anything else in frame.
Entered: 5:16
